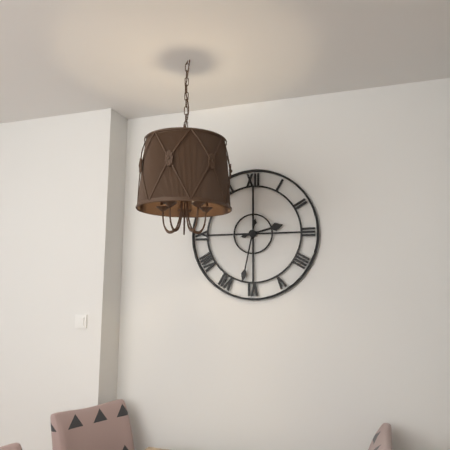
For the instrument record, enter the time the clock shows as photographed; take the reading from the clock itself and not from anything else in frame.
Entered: 2:32
